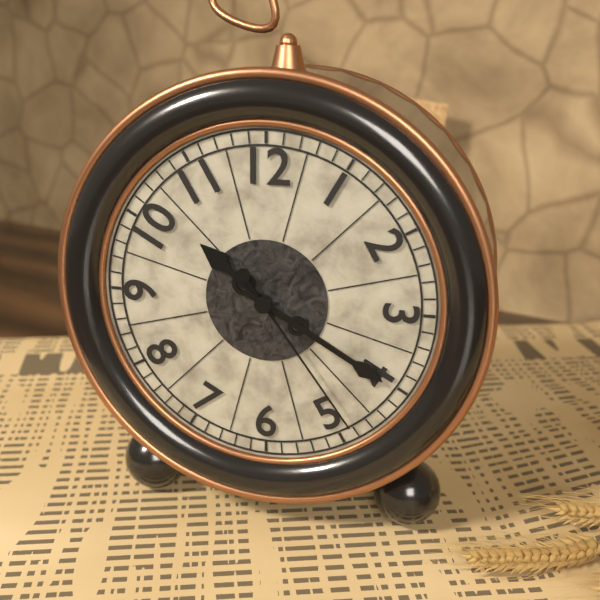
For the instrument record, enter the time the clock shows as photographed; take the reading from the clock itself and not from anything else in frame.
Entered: 10:20:24
